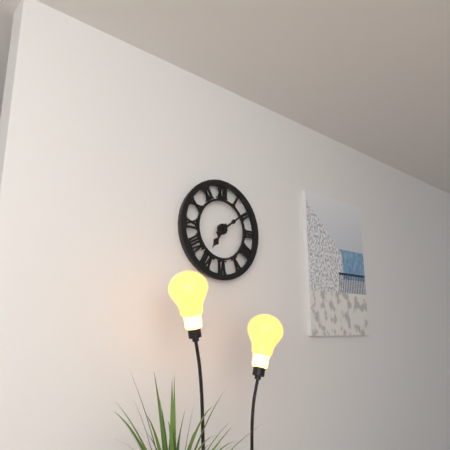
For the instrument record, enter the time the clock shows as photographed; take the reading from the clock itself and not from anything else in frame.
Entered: 7:09
